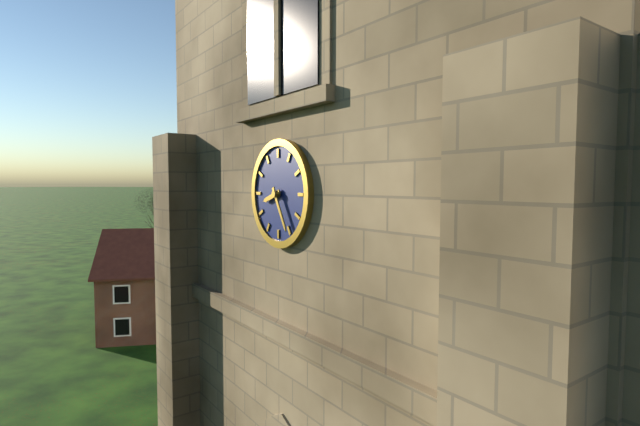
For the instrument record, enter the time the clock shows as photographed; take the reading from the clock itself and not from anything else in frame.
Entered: 8:25
